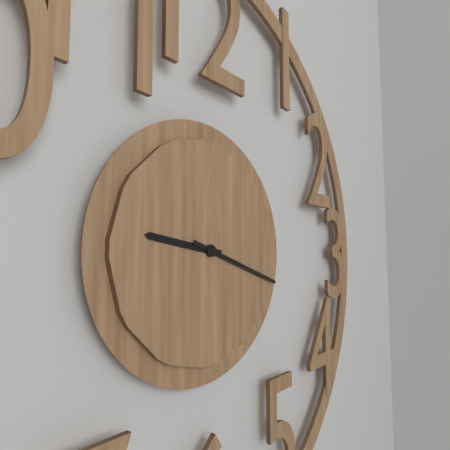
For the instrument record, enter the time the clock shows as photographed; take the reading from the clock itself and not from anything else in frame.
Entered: 9:18
